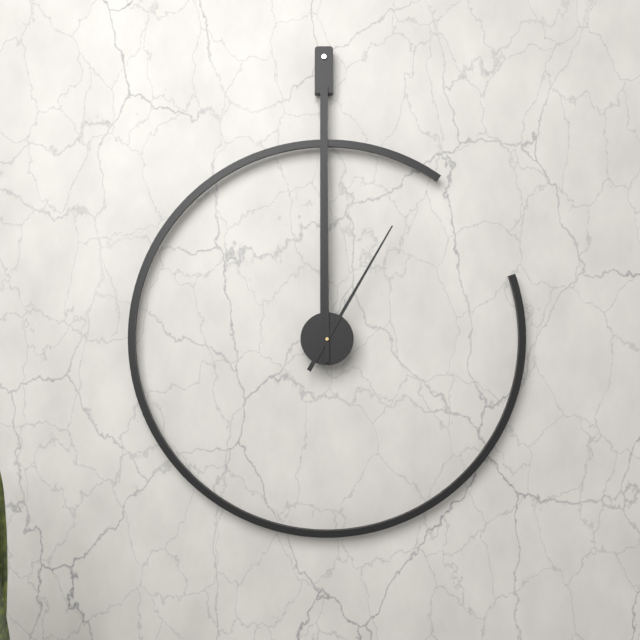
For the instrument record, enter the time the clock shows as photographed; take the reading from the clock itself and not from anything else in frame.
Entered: 1:00
